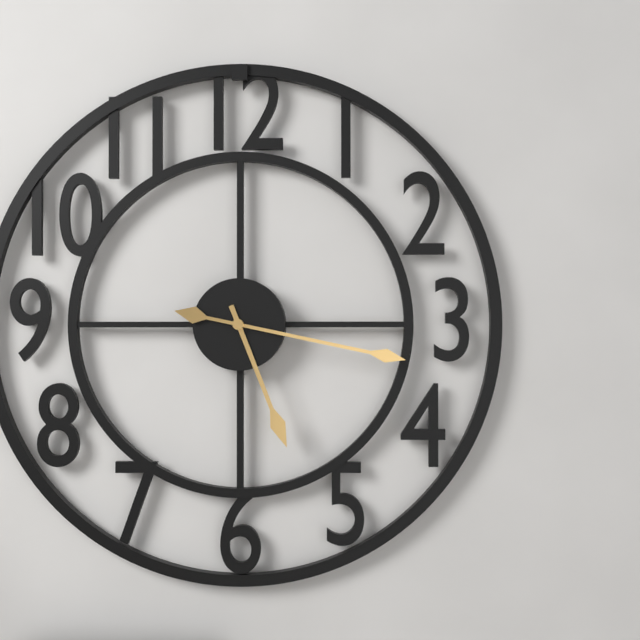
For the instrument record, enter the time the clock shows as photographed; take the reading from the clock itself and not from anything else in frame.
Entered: 5:17
